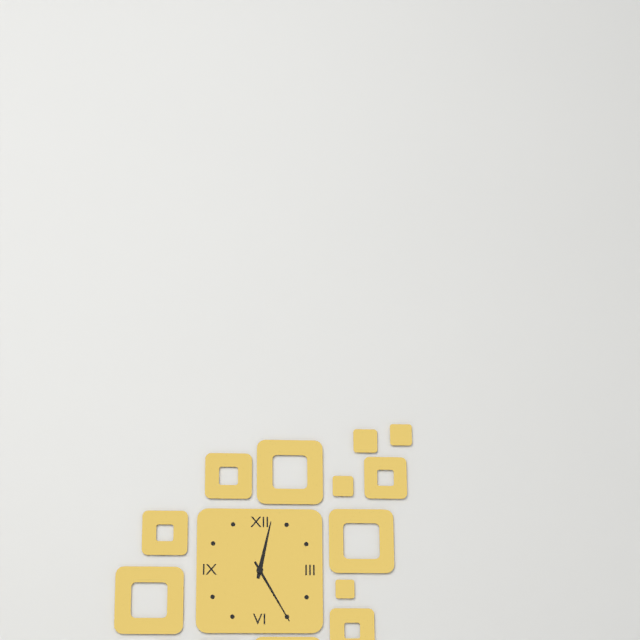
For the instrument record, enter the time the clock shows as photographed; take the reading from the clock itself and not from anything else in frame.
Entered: 12:25
